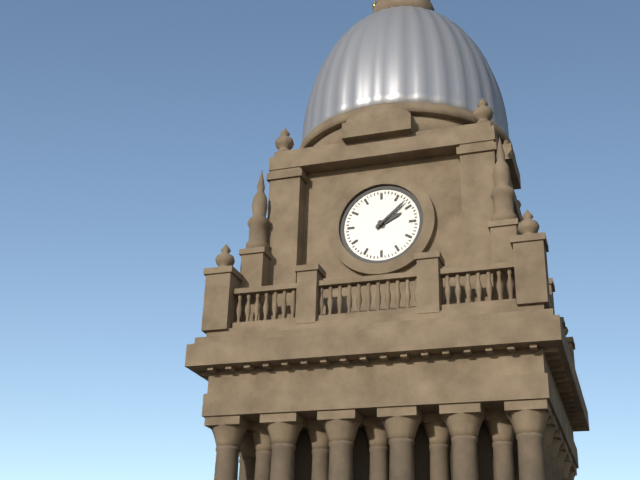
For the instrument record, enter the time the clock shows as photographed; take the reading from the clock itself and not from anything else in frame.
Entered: 2:08
